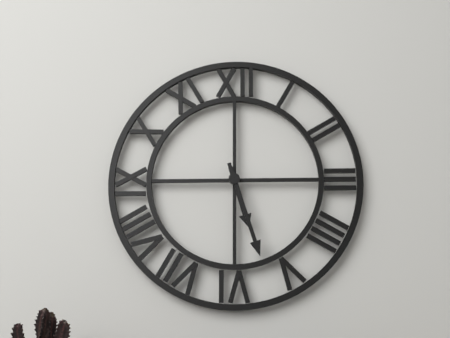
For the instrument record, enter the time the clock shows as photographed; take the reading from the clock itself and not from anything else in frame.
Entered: 5:27
